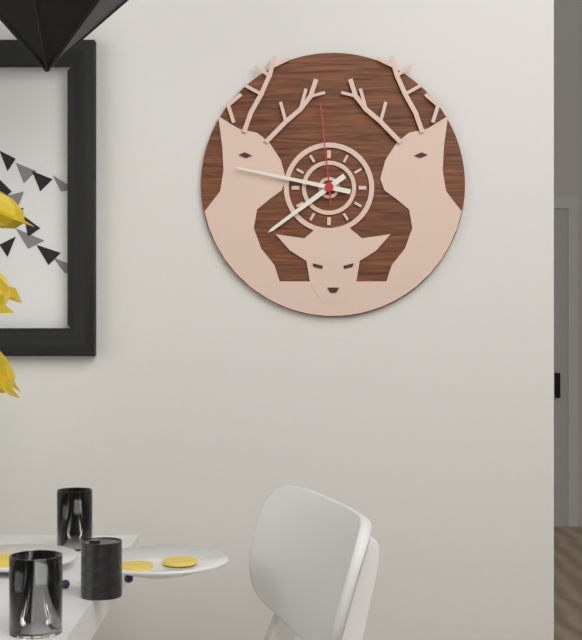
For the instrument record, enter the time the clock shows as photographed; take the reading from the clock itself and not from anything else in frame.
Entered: 7:47:59
